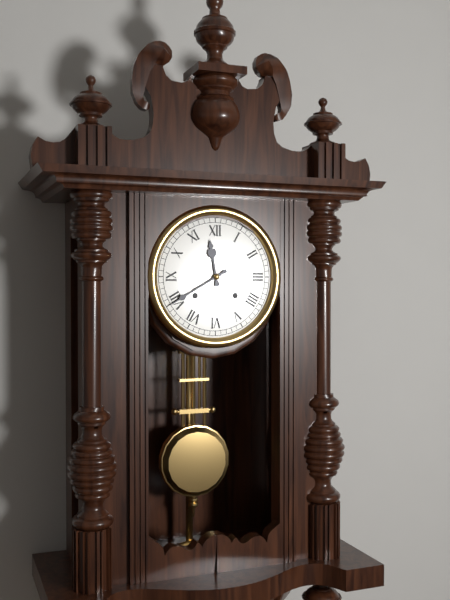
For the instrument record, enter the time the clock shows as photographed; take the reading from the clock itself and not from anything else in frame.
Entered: 11:40
